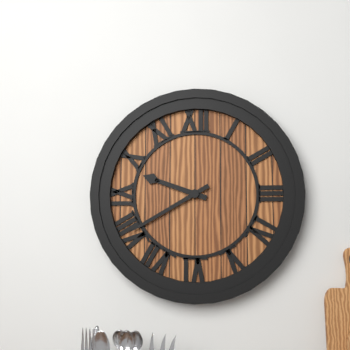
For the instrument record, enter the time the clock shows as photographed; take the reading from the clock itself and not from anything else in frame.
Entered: 9:40
